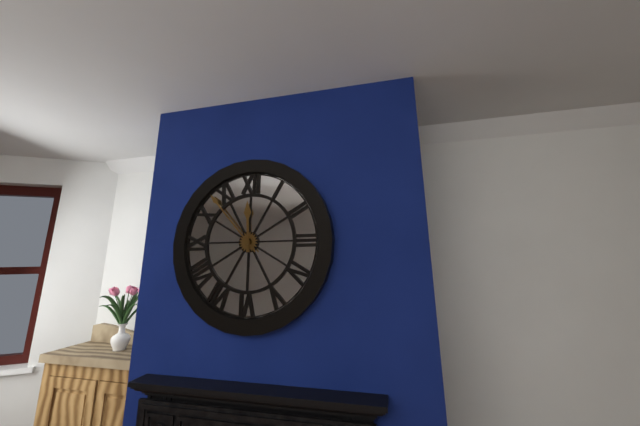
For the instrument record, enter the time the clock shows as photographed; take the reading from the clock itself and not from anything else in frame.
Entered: 11:53
